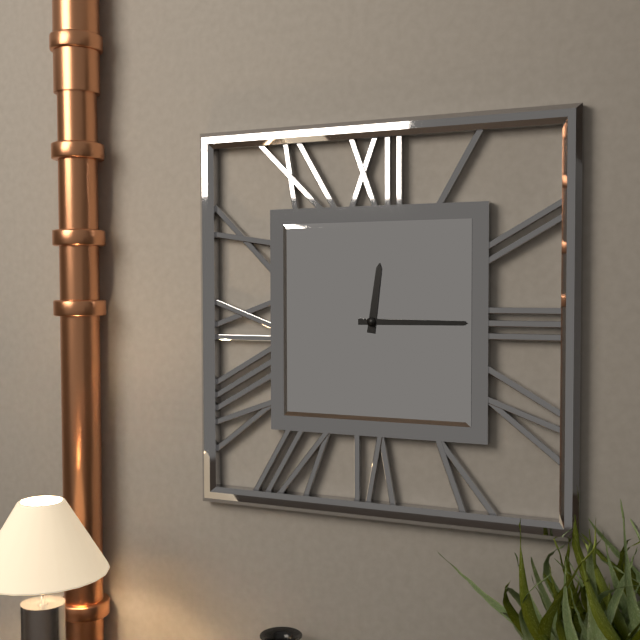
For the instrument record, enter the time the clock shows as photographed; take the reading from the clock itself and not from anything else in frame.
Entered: 12:15
